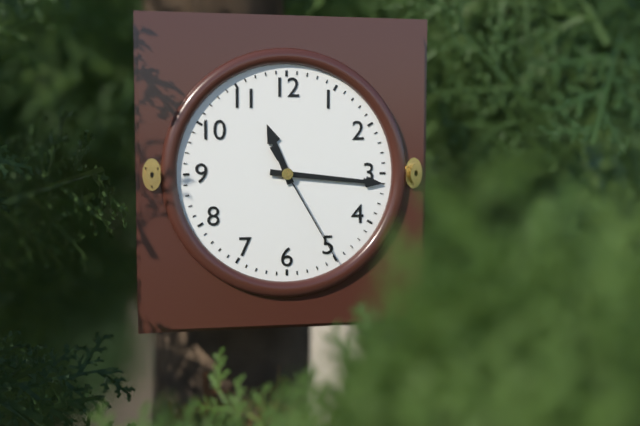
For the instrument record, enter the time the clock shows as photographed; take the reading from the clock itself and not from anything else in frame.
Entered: 11:16:25
